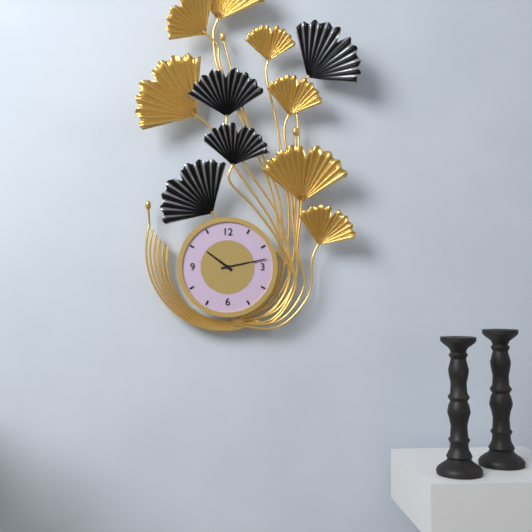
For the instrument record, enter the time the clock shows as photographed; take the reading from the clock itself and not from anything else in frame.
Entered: 10:13
